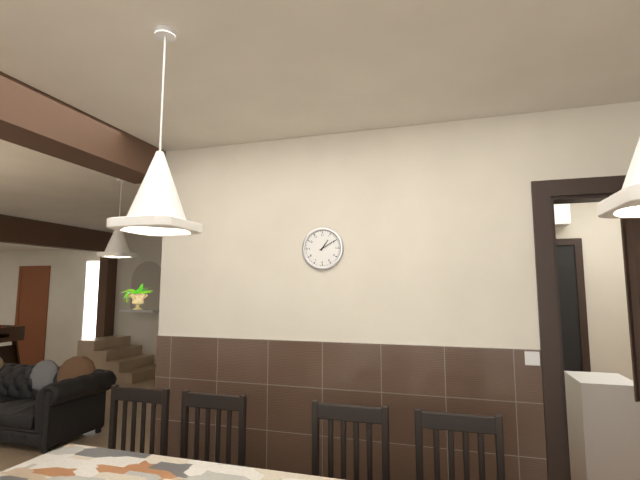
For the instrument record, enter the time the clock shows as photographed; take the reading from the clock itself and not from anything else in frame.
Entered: 1:10
